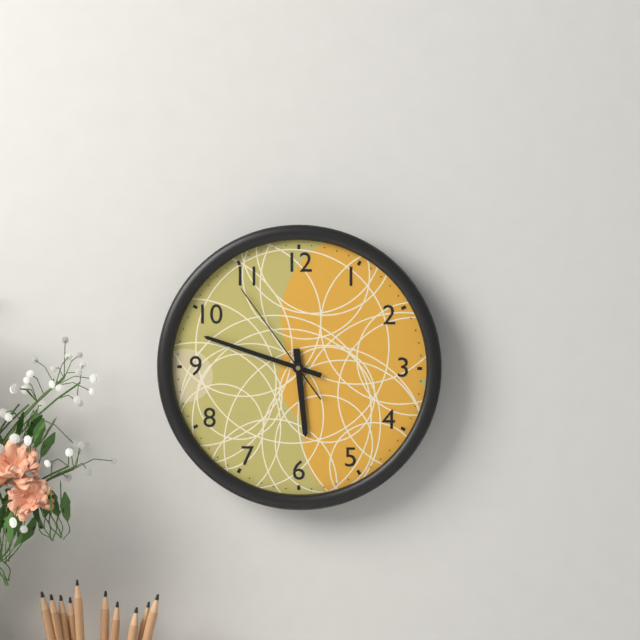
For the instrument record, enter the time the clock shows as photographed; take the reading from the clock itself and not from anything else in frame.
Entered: 5:48:54
